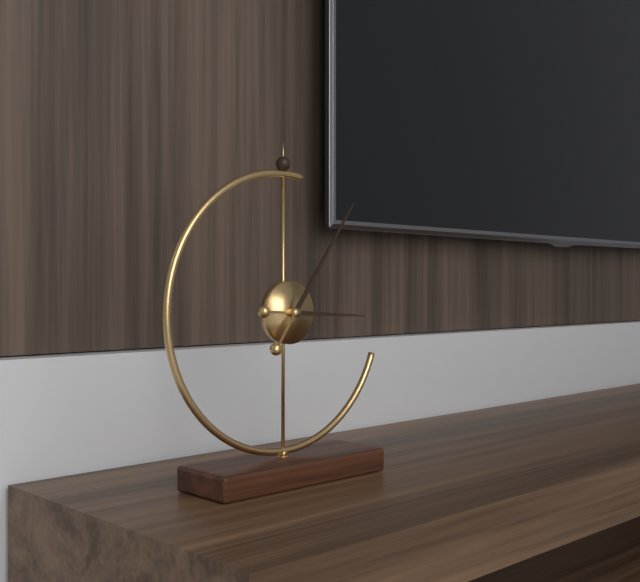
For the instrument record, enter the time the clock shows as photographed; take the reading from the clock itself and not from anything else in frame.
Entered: 3:06
